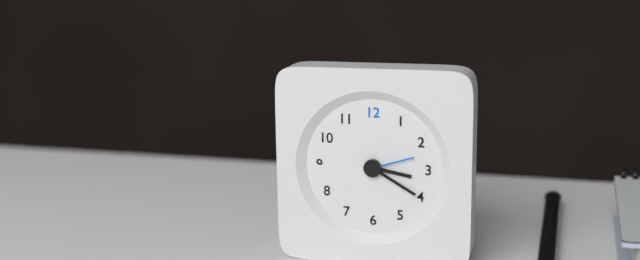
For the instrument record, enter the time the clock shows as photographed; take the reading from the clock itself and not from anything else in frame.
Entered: 3:20:12
